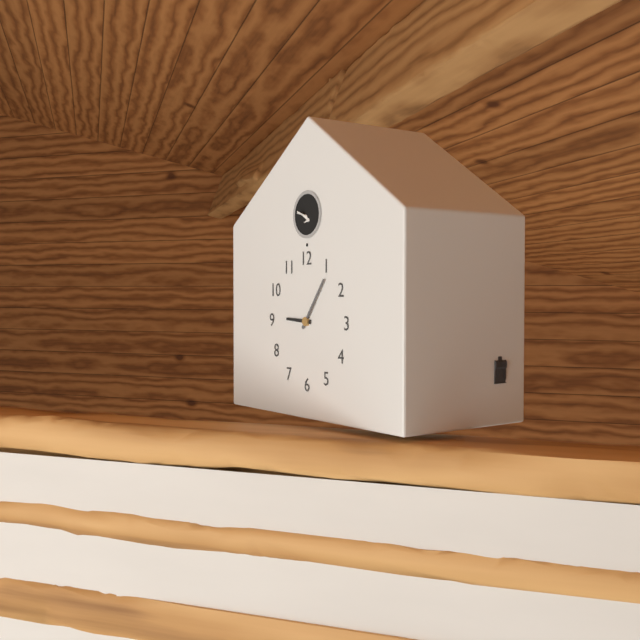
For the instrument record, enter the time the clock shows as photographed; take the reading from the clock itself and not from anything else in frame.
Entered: 9:06
